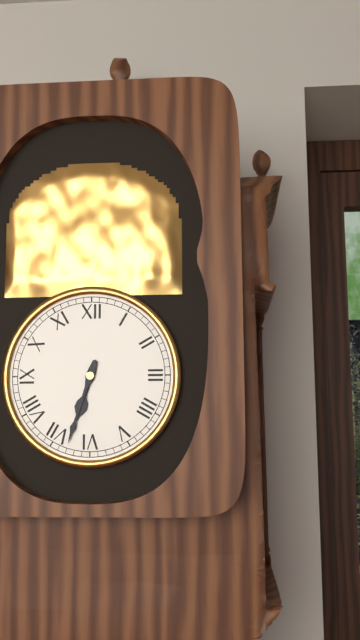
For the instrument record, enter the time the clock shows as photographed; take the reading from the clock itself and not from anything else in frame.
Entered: 6:33
